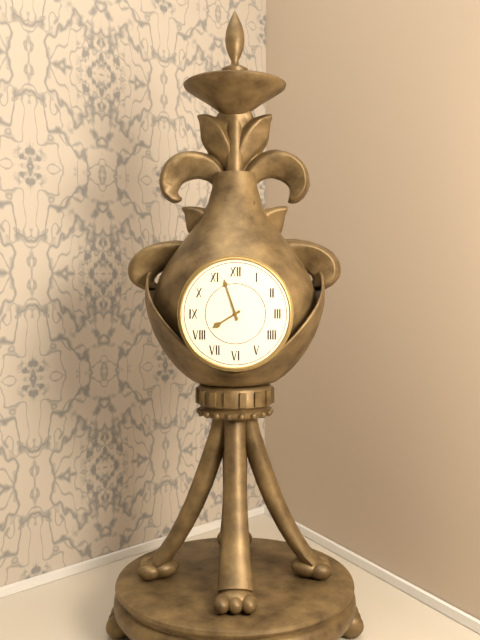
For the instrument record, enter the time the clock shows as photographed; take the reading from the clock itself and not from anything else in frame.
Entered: 7:57
